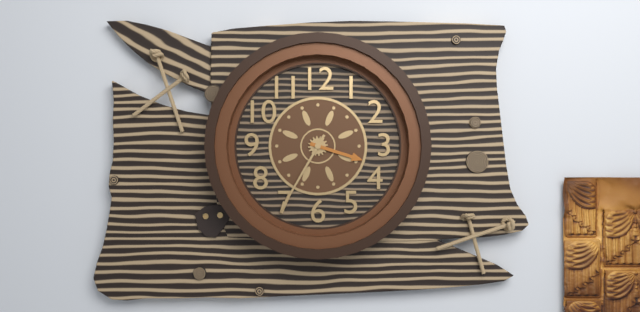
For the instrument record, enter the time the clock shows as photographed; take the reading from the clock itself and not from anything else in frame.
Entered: 3:35
